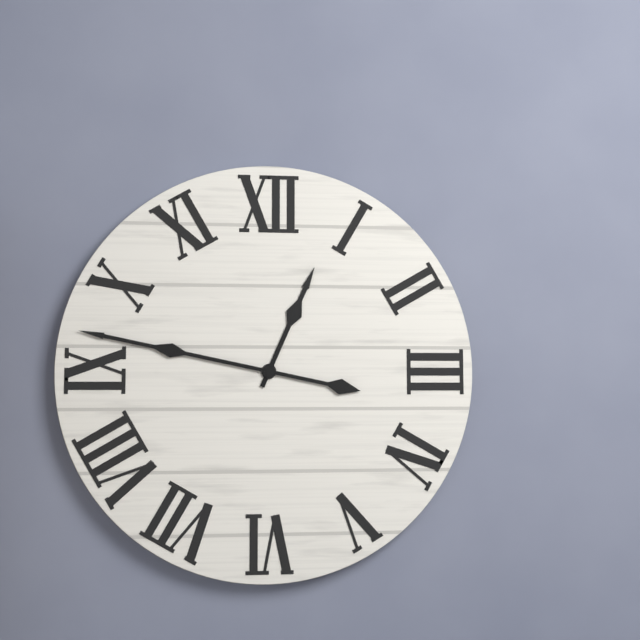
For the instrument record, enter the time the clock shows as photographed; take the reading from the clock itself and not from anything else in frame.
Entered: 12:47
